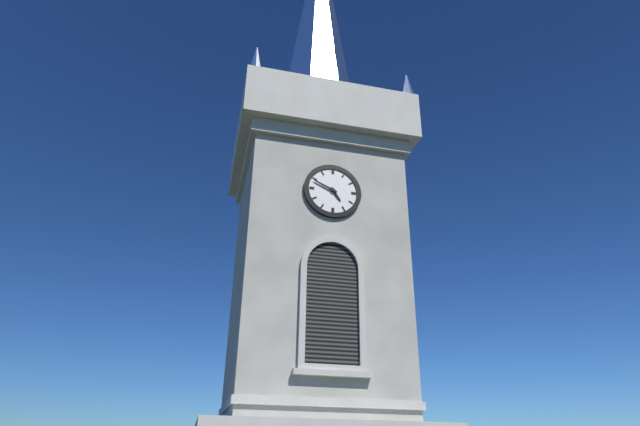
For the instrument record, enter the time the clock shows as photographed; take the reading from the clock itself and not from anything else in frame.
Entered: 4:49
